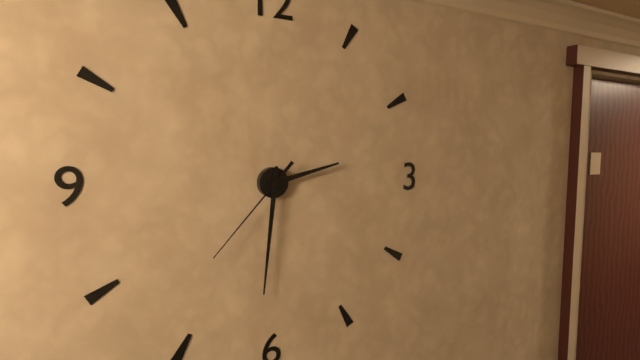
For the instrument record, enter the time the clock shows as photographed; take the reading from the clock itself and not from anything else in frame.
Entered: 2:31:37
